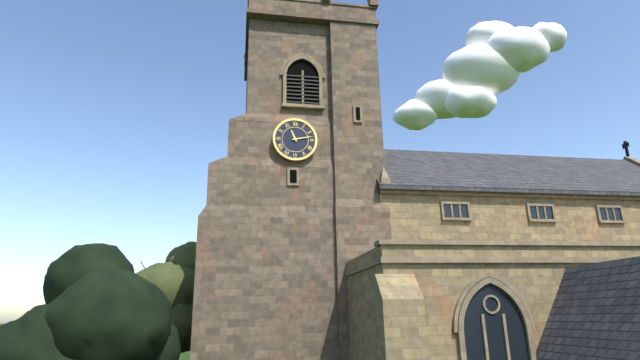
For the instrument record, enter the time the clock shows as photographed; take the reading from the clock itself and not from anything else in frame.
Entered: 11:13
